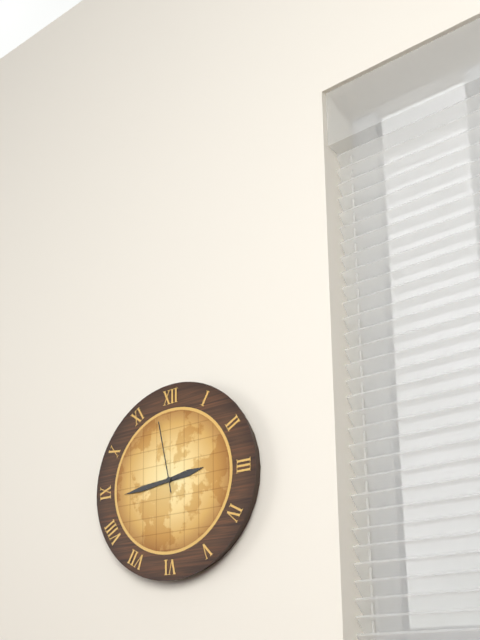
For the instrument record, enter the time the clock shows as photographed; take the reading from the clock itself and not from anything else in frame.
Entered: 2:44:58
